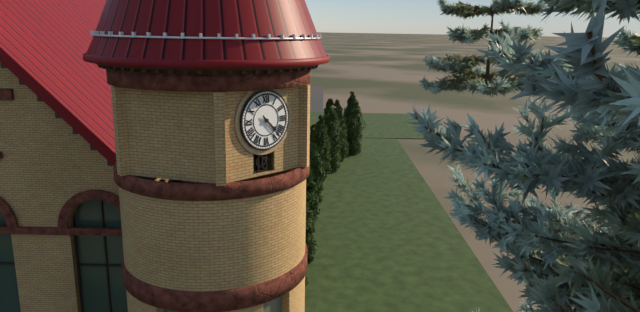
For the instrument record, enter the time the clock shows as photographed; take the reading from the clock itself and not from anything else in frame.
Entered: 4:23
